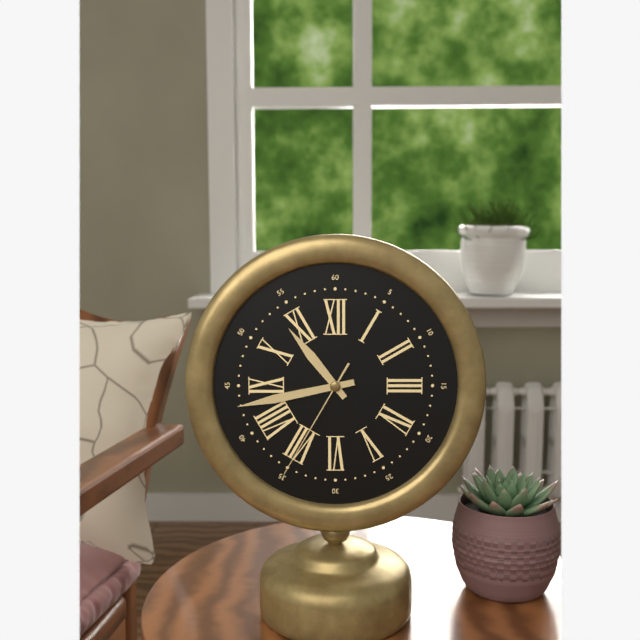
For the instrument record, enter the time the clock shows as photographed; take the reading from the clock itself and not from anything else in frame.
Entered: 10:43:35
